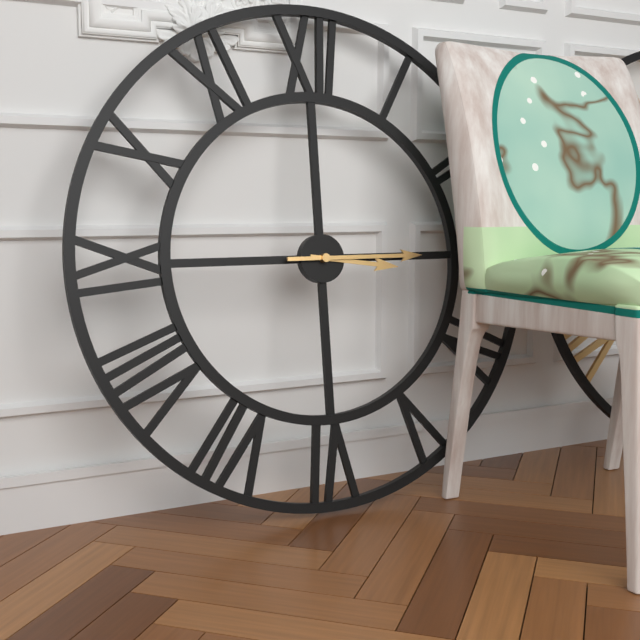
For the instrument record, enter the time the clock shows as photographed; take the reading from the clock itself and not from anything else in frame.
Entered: 3:15
